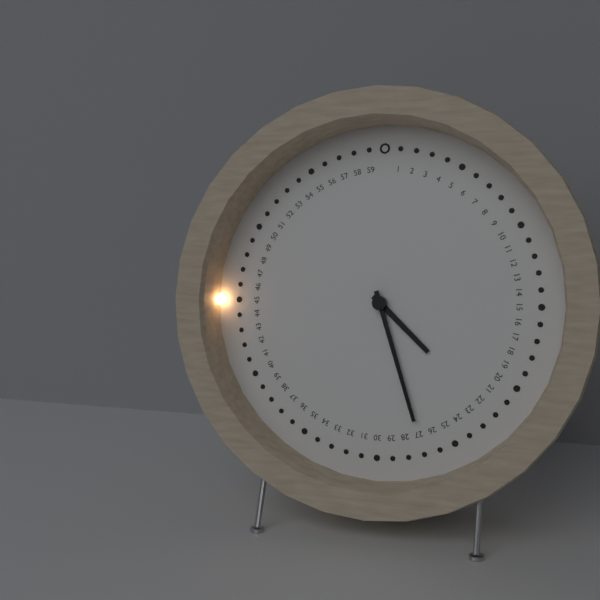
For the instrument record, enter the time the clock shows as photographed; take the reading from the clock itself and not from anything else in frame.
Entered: 4:27
